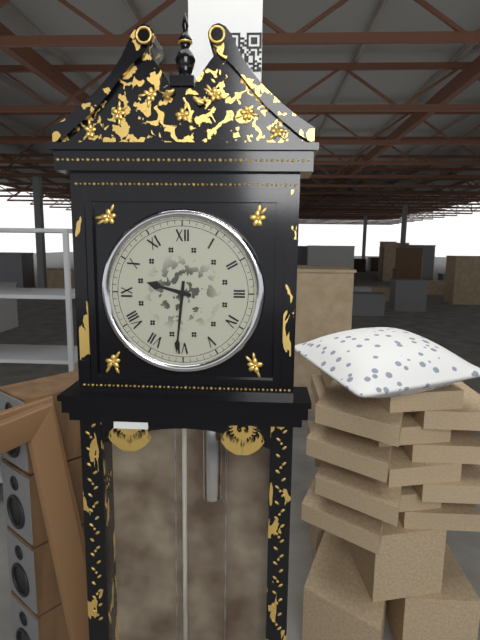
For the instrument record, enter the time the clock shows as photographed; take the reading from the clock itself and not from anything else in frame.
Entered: 9:31
